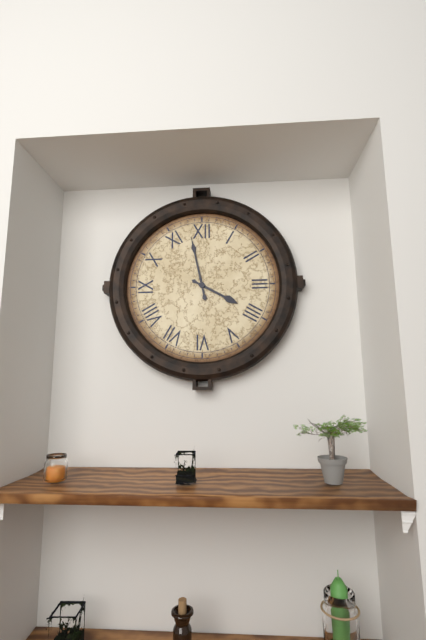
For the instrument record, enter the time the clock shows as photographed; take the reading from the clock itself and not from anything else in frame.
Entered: 3:58
